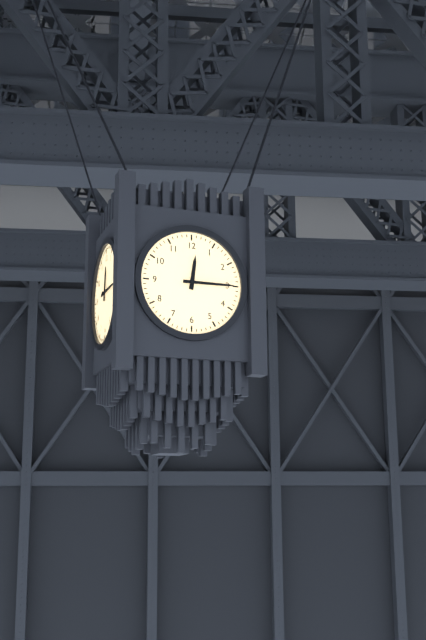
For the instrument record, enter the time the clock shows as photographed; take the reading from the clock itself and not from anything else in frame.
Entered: 12:15
